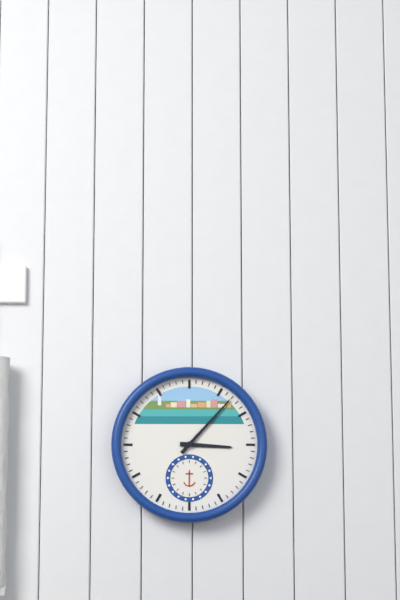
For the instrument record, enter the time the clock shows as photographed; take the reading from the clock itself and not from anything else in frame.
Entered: 3:07
